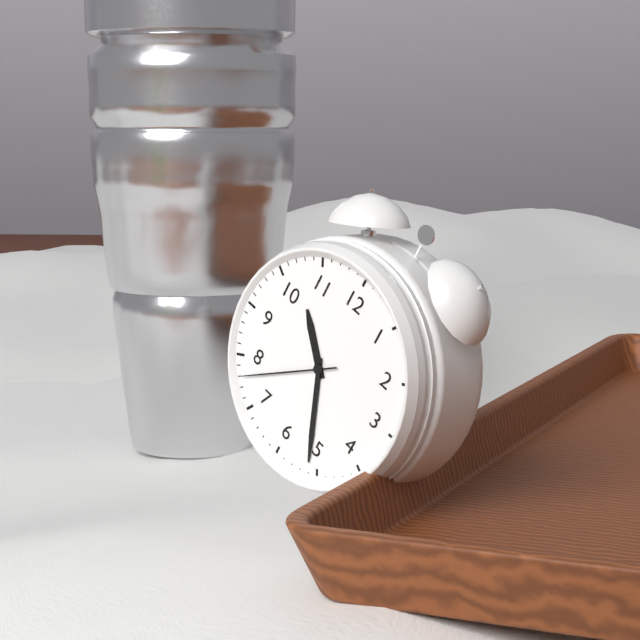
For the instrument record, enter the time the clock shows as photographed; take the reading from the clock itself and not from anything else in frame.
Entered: 10:26:38
